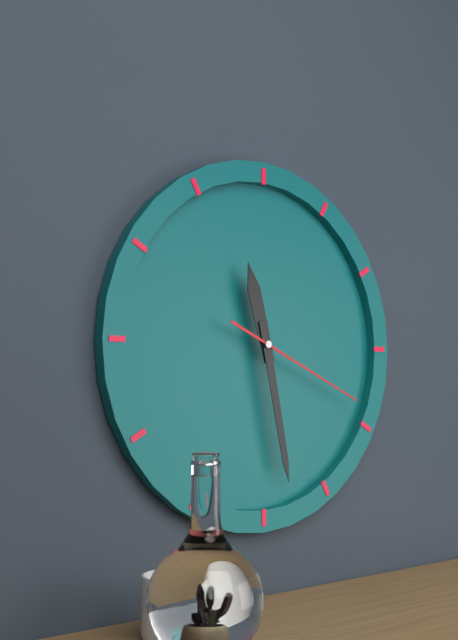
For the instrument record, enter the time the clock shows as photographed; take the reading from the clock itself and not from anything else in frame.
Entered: 11:28:19
